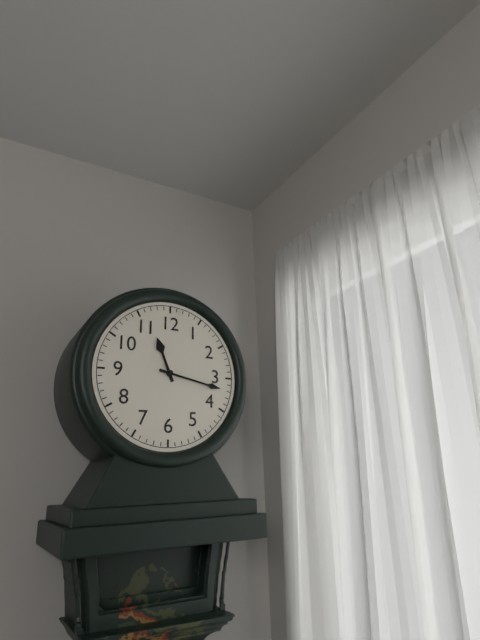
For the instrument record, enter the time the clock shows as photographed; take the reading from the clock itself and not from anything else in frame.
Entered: 11:17
